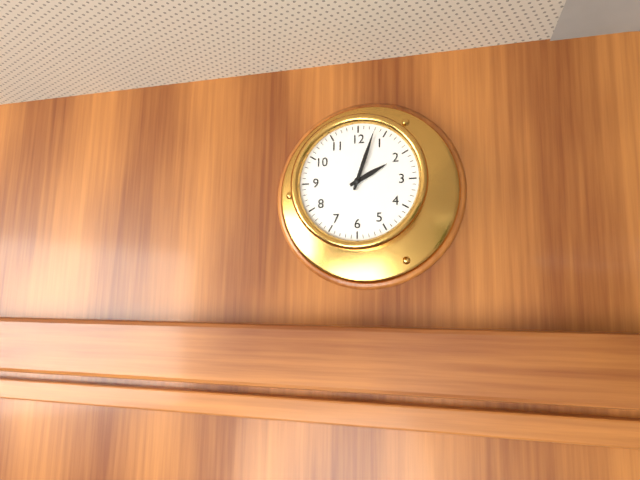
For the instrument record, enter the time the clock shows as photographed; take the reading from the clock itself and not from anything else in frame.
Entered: 2:03
